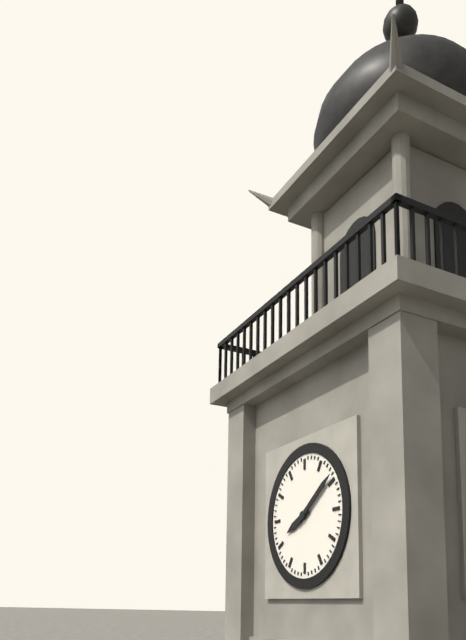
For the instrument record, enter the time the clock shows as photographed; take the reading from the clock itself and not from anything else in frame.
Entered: 8:09
